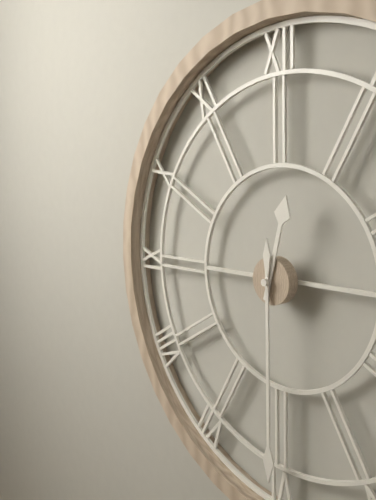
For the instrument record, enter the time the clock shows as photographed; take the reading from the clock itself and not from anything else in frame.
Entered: 12:30
